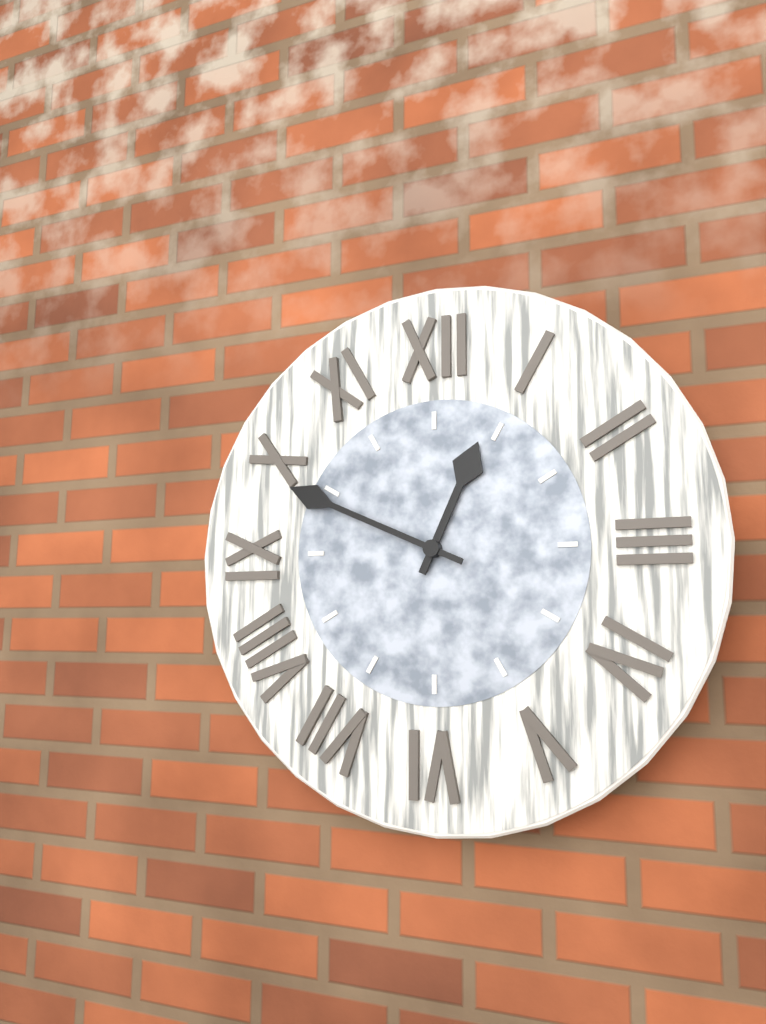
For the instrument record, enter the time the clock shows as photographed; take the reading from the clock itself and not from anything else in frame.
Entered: 12:49
